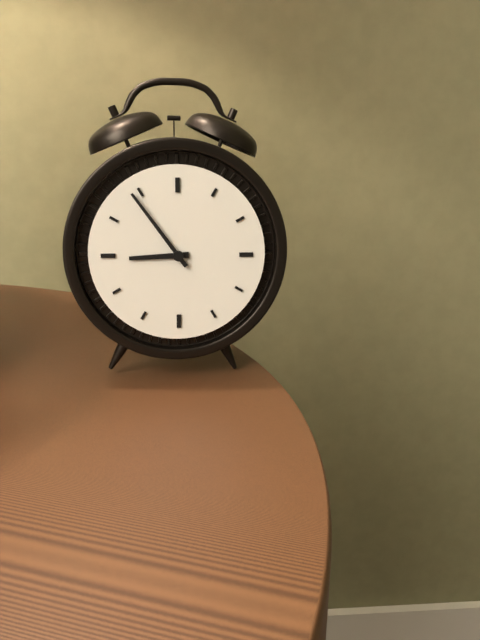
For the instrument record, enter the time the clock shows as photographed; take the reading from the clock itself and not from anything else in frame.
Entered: 8:54
